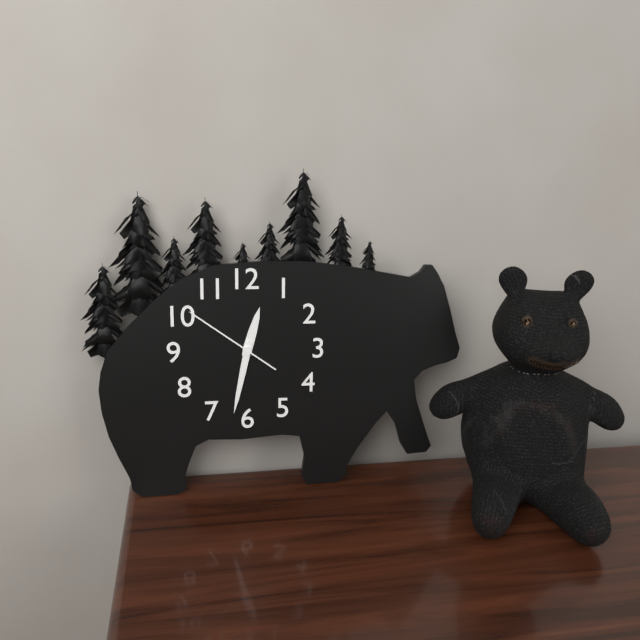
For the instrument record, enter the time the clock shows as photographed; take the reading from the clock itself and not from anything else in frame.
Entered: 12:32:51
